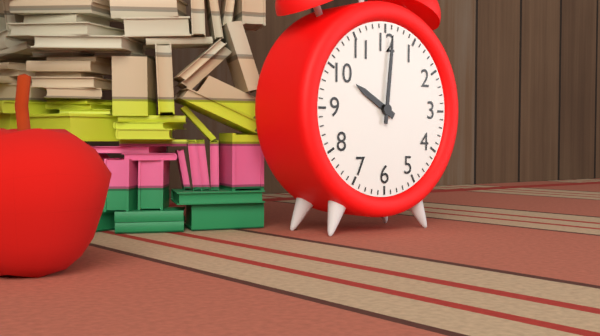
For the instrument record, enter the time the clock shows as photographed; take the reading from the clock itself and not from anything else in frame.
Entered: 10:01
